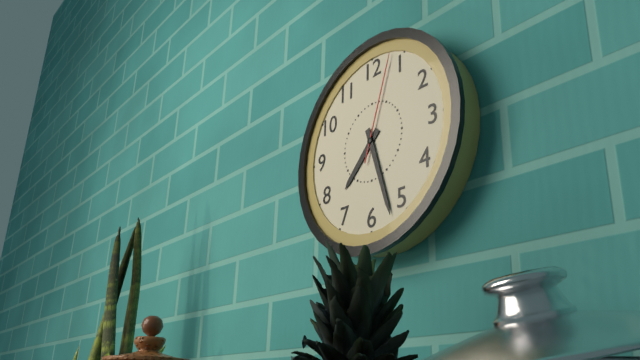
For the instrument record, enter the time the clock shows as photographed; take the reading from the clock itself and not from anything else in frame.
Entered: 7:27:03
